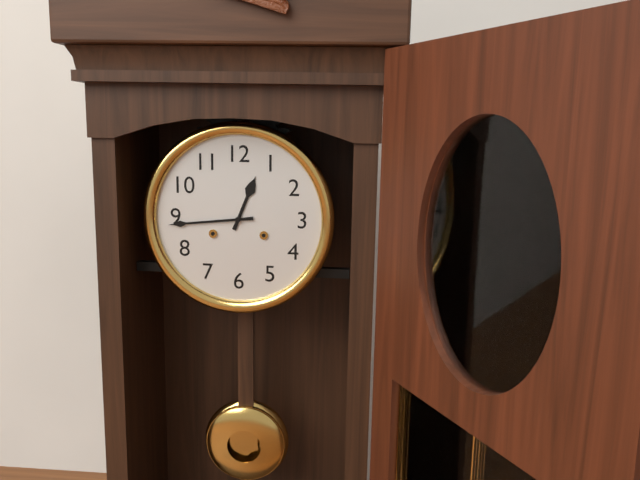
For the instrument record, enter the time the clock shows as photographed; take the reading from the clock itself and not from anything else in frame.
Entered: 12:44
